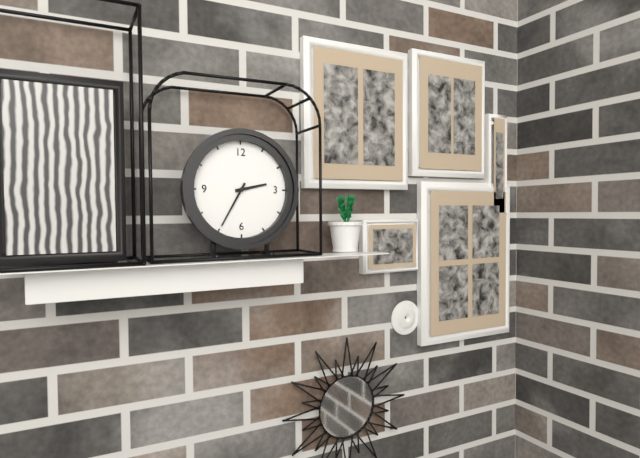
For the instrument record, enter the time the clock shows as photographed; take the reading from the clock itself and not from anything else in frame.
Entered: 2:35
